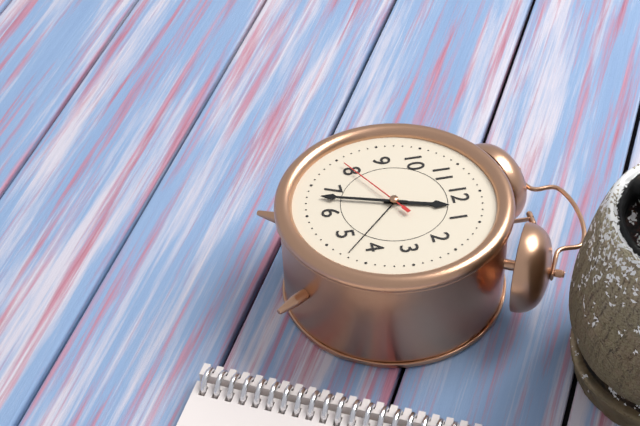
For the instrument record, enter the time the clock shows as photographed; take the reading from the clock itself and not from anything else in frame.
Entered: 12:33:40
